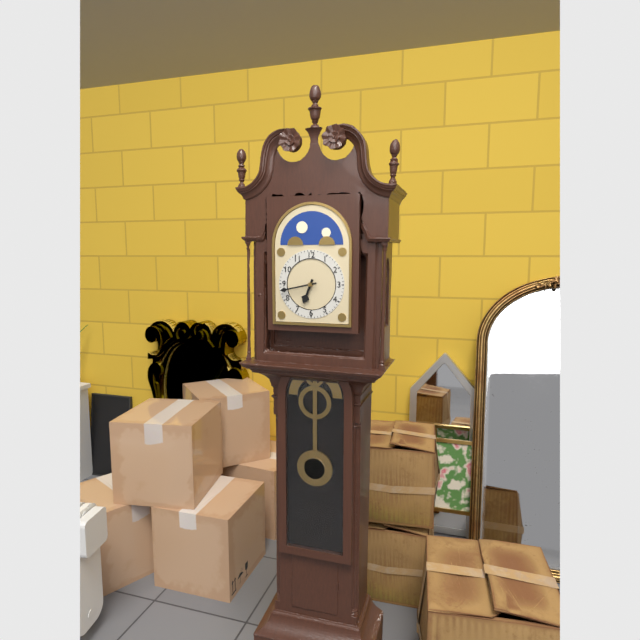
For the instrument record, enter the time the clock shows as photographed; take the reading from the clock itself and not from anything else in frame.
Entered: 6:43
